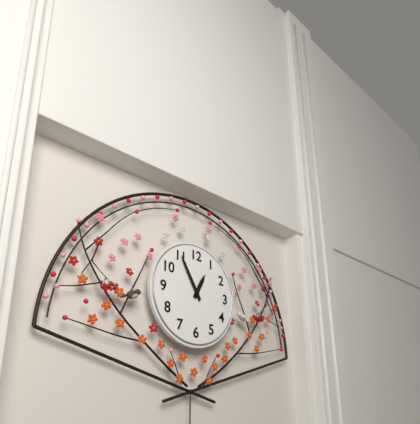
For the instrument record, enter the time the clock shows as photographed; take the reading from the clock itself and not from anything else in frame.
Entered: 12:55
